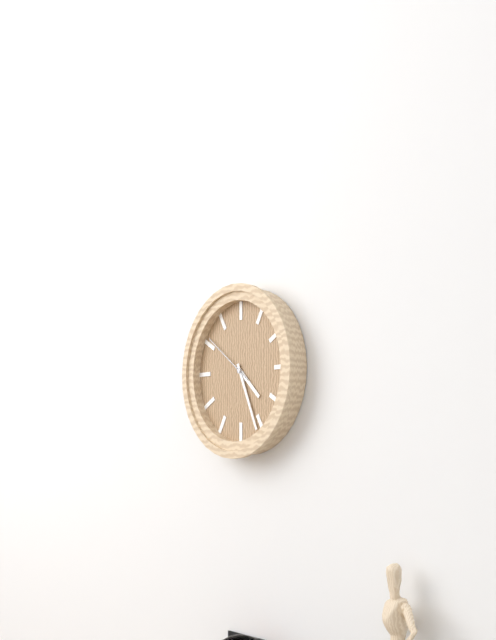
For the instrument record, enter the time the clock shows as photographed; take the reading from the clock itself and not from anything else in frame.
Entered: 4:26:51
